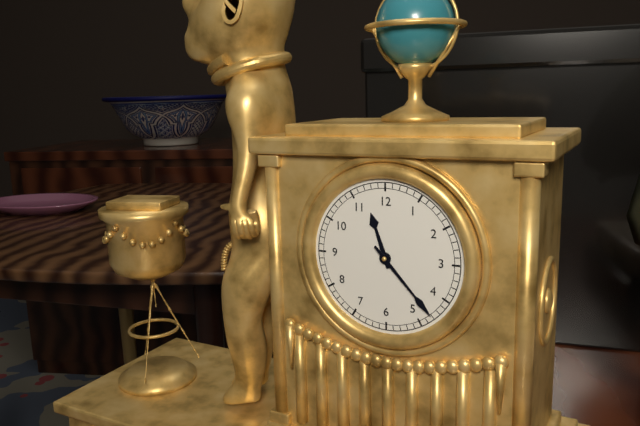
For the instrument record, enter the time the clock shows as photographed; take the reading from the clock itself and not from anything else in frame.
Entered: 11:23
